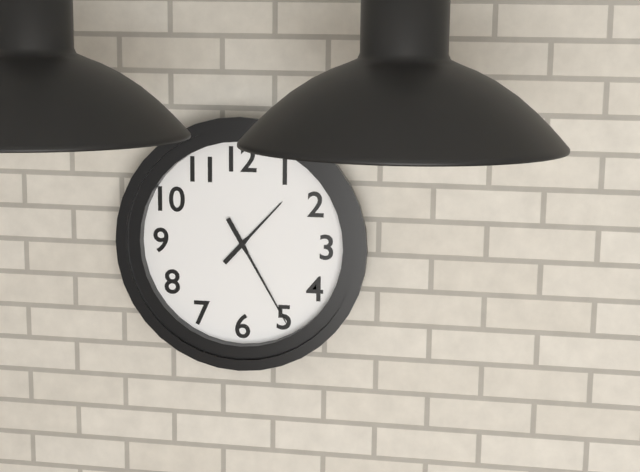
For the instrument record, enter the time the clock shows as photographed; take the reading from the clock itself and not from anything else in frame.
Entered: 1:25
